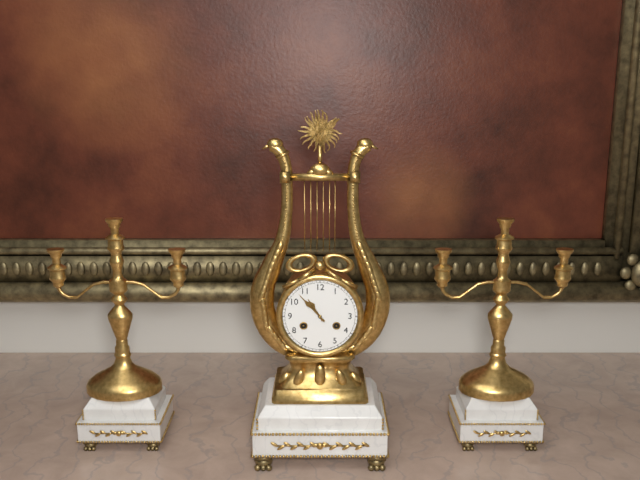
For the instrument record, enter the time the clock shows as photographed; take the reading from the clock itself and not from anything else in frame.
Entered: 10:53
